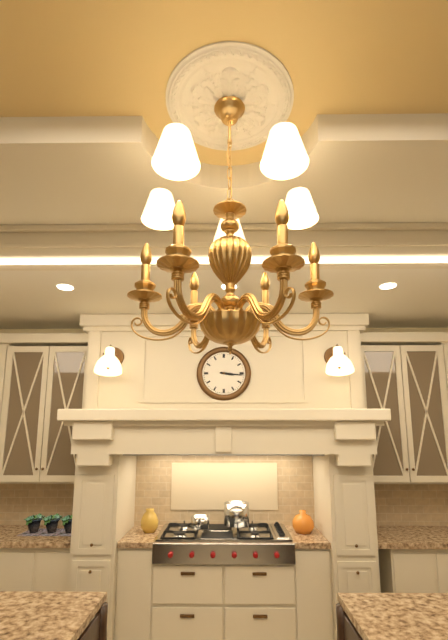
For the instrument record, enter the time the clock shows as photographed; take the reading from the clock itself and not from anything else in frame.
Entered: 3:16
